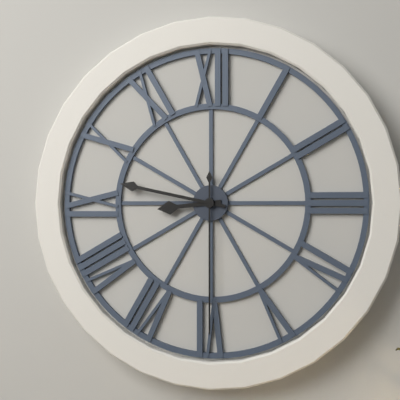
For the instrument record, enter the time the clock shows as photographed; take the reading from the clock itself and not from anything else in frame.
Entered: 8:47:30
